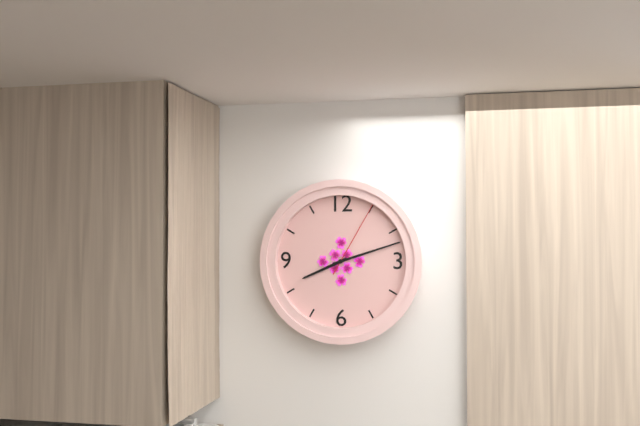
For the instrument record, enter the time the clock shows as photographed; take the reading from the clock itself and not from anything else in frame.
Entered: 8:12:05
